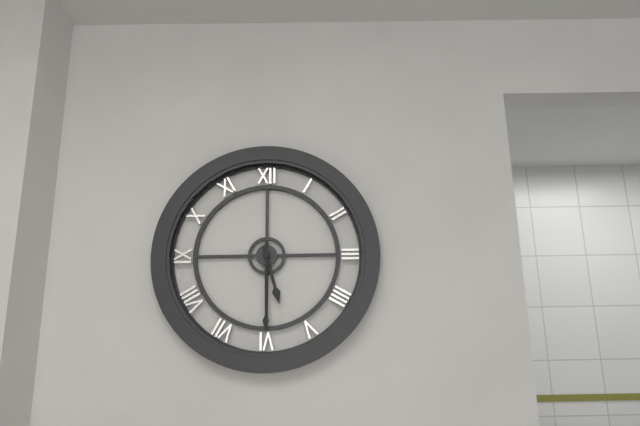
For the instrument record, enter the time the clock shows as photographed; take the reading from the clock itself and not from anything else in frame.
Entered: 5:30
